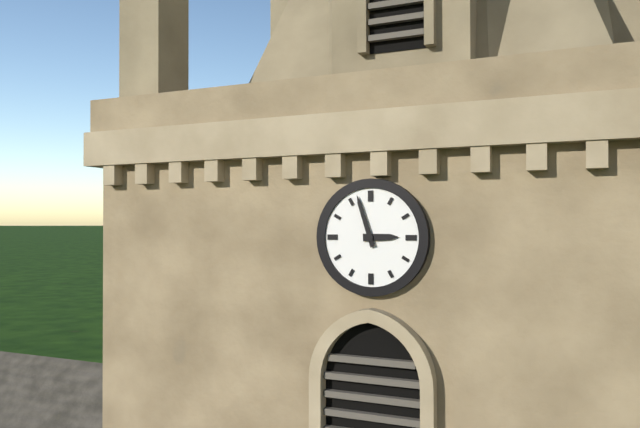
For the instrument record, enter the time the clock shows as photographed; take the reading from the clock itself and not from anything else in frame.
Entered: 2:57
